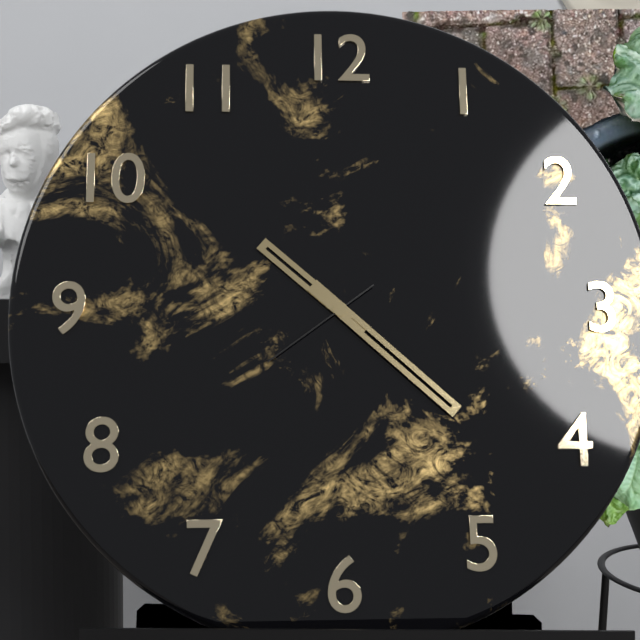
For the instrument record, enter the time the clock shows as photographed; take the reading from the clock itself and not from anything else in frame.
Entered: 10:22:39
